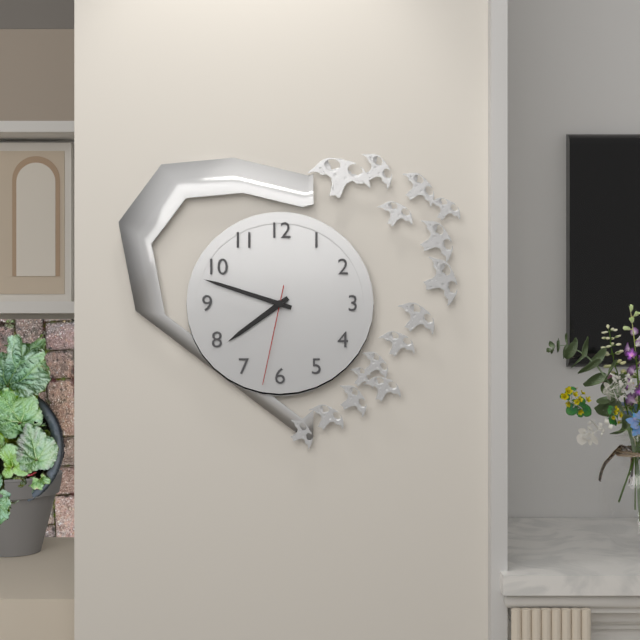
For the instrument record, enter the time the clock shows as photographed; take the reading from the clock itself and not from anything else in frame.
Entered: 7:48:32
